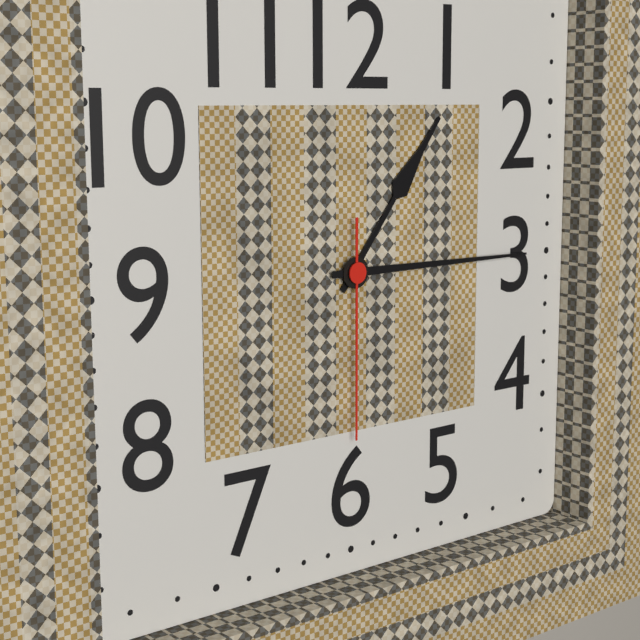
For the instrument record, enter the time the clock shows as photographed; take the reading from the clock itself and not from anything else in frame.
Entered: 1:15:30
